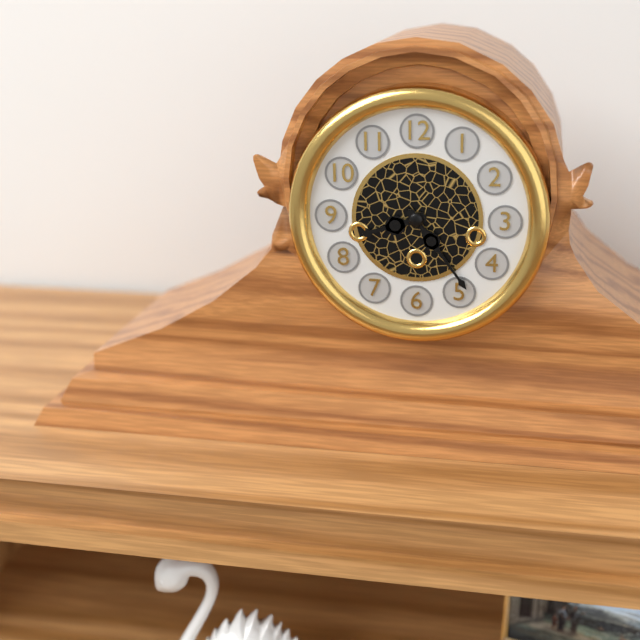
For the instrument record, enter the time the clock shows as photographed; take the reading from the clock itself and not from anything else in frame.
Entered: 8:24
